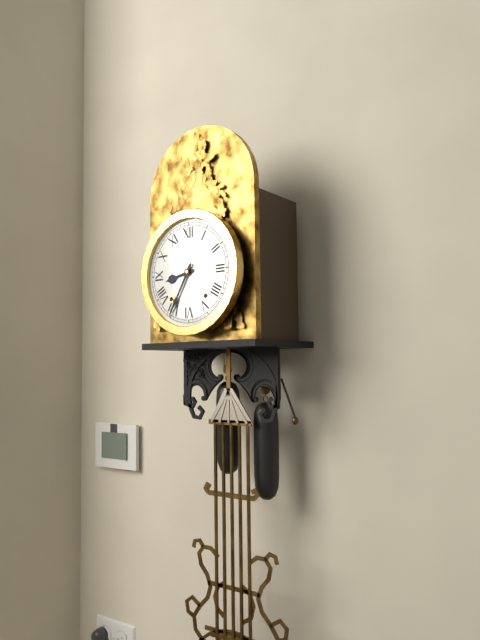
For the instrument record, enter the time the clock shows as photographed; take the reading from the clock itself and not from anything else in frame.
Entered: 8:35
